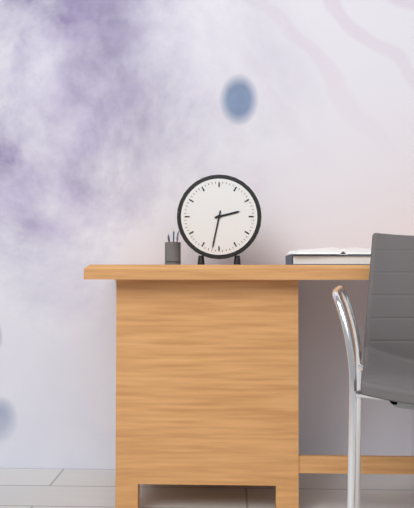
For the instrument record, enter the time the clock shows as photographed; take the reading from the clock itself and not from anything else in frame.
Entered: 2:32
